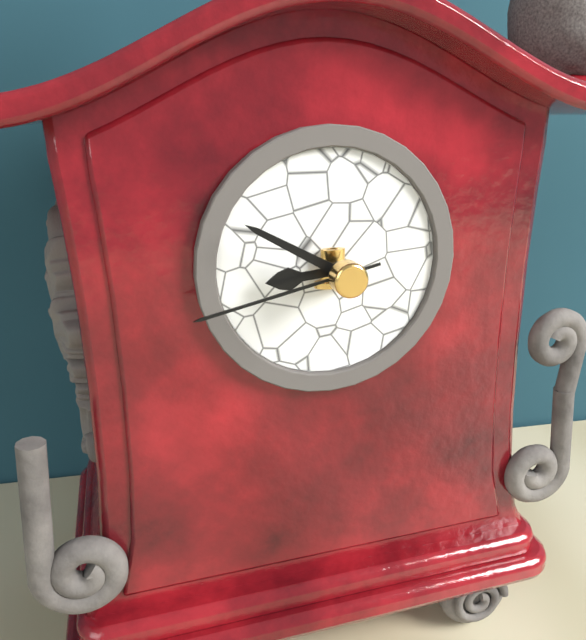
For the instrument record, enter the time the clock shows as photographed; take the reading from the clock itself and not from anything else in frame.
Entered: 8:50:43
